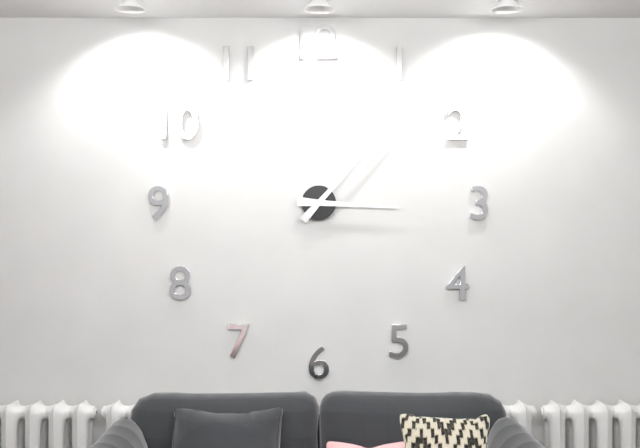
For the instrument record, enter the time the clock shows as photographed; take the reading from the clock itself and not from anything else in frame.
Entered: 3:07
